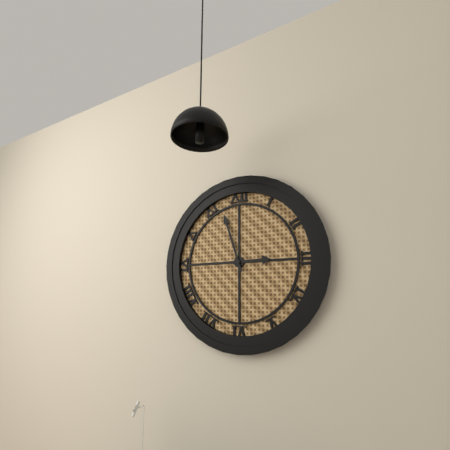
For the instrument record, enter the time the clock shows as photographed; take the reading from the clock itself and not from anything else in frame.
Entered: 2:57
